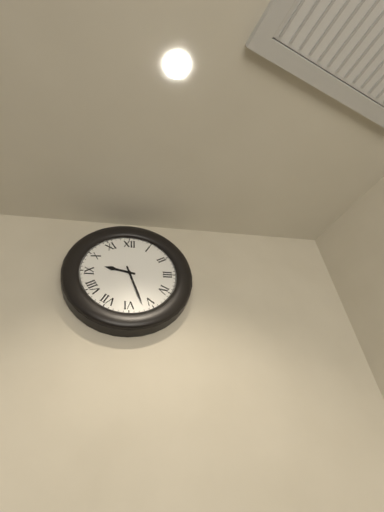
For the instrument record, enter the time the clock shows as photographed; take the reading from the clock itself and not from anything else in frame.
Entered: 9:27
